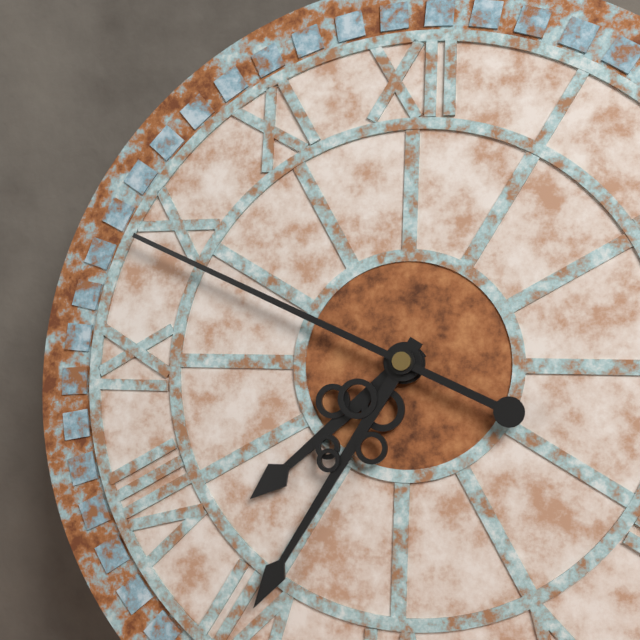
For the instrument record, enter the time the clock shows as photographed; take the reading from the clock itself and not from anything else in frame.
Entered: 7:35:49
